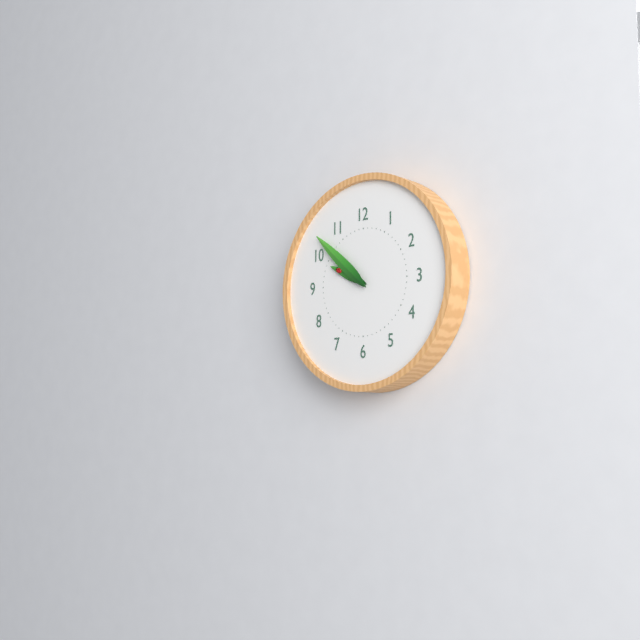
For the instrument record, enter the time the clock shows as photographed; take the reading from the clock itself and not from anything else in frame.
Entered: 9:52
